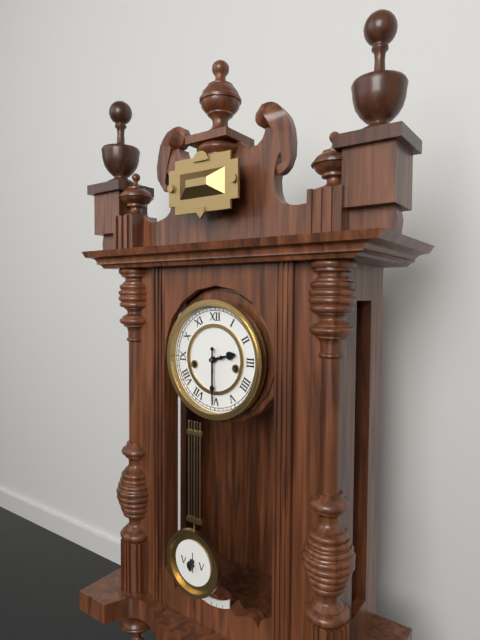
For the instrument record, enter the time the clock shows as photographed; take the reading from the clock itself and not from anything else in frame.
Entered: 2:30
